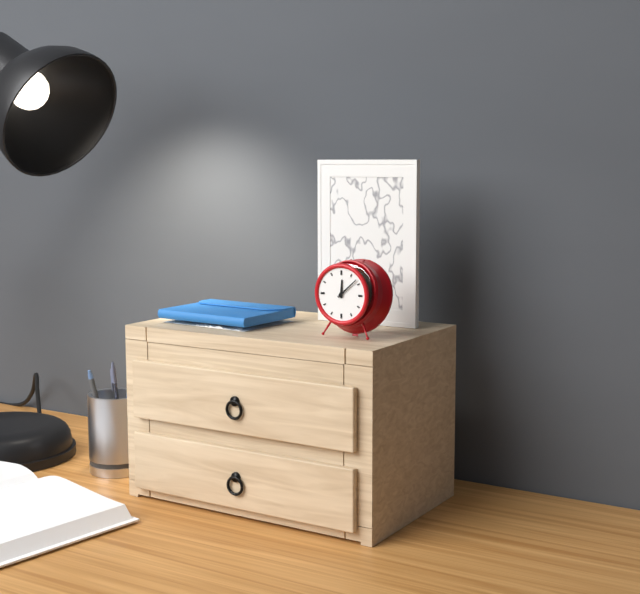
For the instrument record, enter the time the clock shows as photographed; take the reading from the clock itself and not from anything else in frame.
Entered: 12:08
